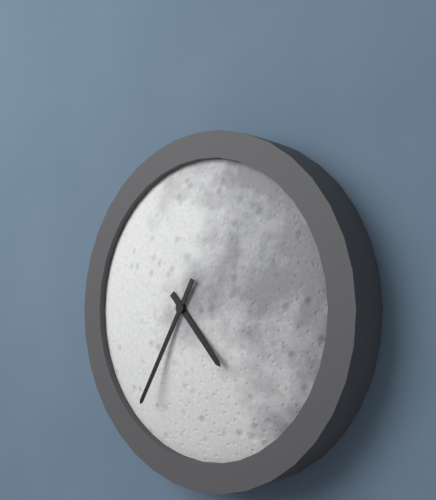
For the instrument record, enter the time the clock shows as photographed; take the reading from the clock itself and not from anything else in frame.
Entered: 4:35
